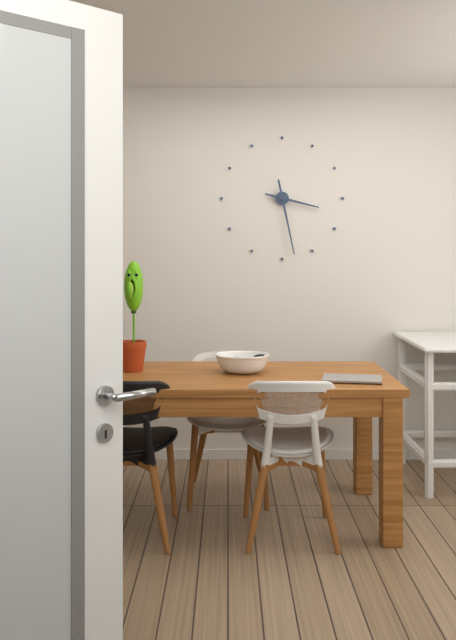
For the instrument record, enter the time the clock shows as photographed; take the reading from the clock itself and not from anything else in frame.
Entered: 3:28
